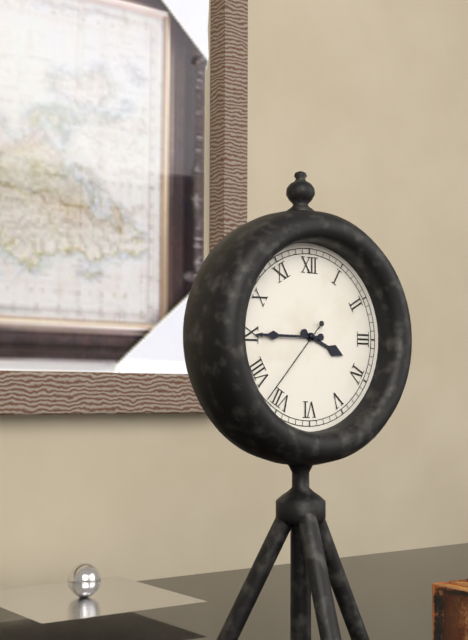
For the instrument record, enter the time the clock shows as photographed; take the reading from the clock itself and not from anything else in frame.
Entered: 3:45:37
